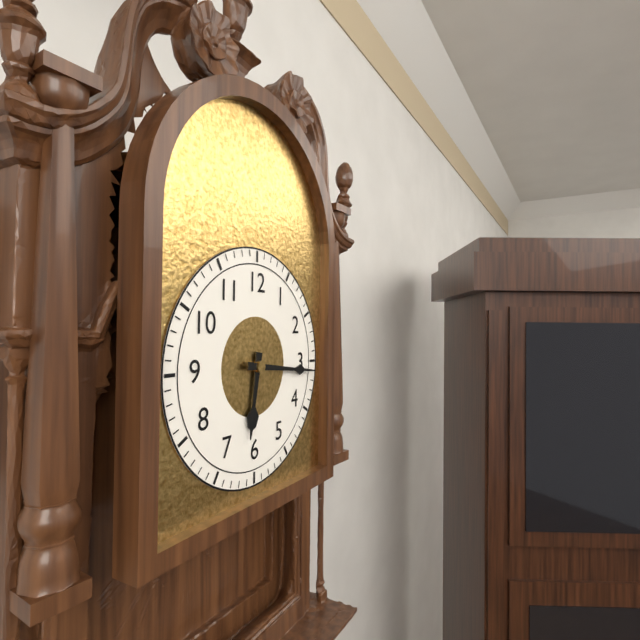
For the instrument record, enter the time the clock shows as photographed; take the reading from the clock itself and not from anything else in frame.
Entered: 6:16
